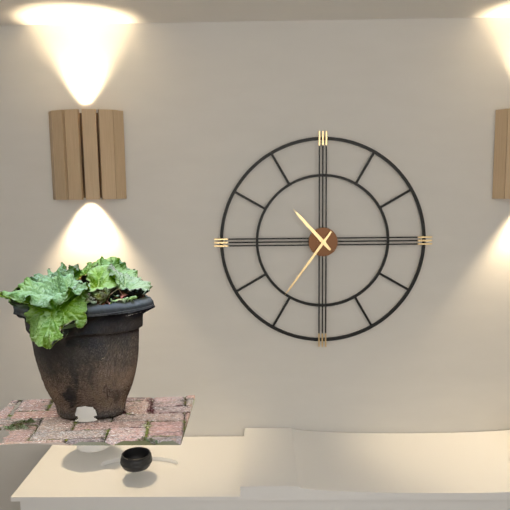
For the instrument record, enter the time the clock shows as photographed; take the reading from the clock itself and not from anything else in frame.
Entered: 10:36
